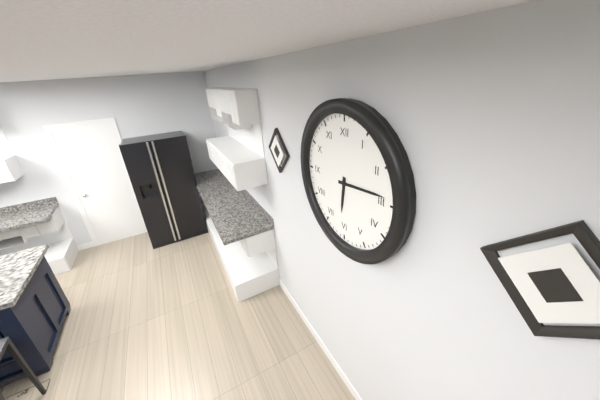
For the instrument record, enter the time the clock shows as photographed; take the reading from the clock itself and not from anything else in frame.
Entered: 6:14
